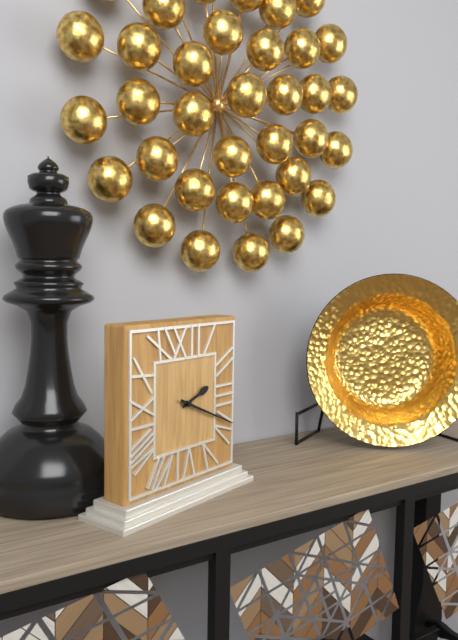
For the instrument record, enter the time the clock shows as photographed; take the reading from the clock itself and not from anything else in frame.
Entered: 2:19
